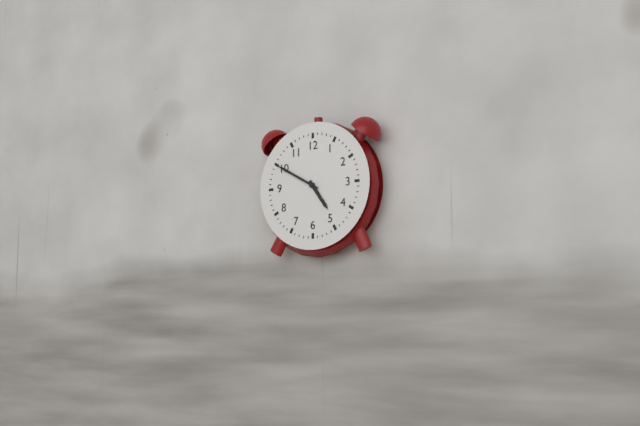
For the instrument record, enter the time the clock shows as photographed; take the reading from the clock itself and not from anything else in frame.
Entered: 4:50
